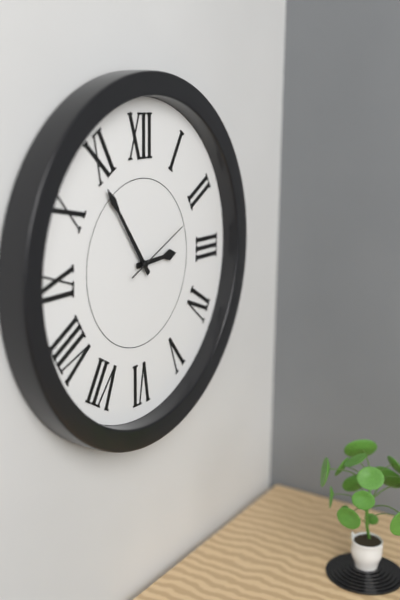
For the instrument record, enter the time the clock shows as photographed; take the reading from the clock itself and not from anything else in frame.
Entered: 2:54:11
